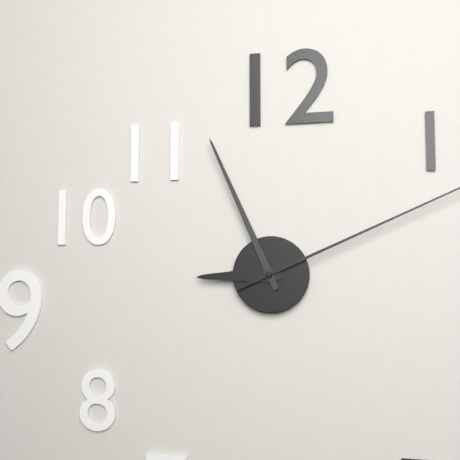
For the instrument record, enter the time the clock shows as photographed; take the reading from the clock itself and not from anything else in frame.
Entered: 8:56
